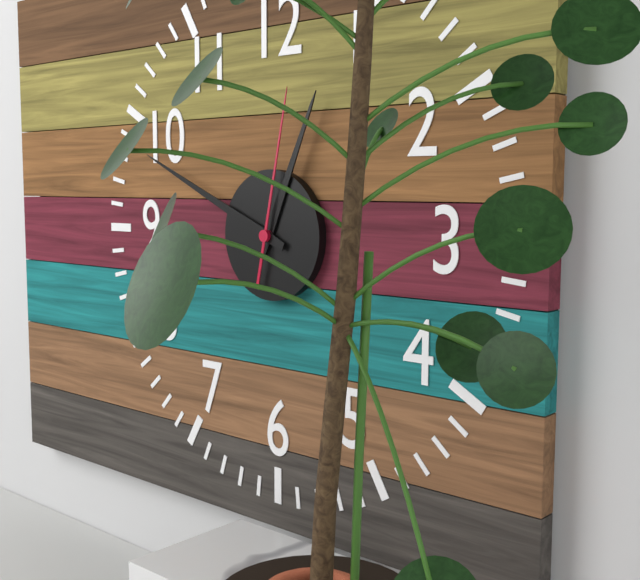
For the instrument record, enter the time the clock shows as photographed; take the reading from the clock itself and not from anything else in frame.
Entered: 12:49:02
